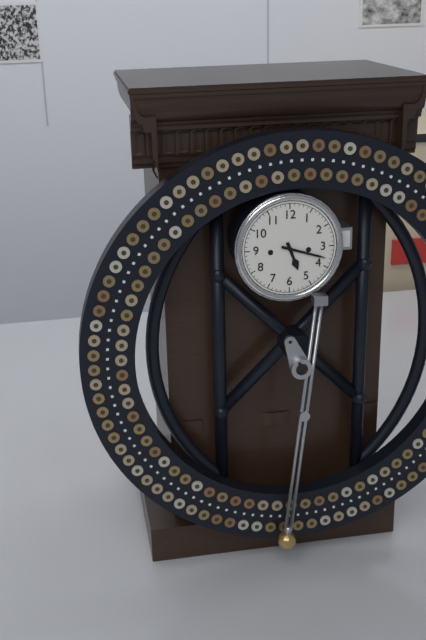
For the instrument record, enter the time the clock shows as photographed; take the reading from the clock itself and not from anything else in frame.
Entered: 5:18
